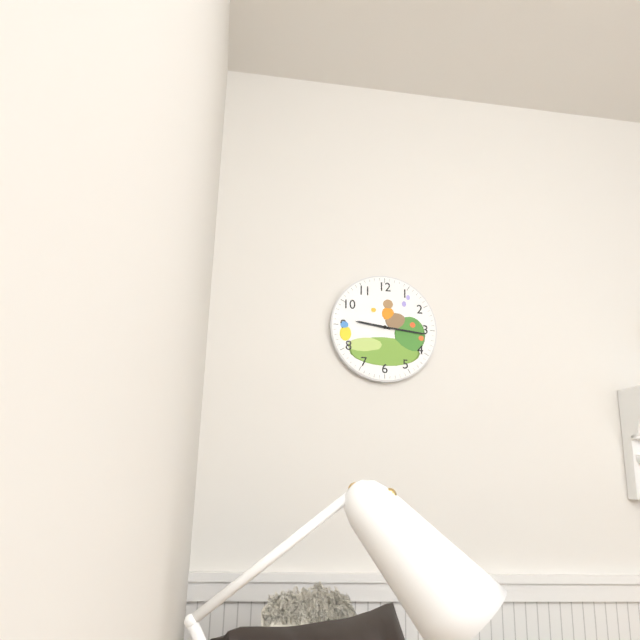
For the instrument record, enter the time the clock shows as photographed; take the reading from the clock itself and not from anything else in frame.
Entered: 9:16
